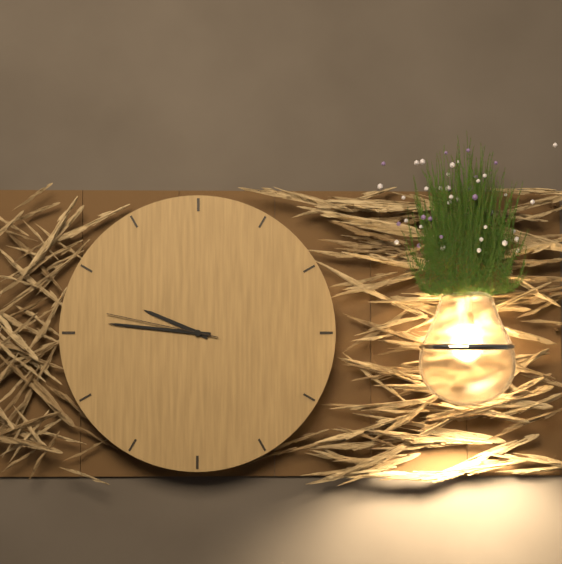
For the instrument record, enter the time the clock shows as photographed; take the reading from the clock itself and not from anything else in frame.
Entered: 9:46:47
